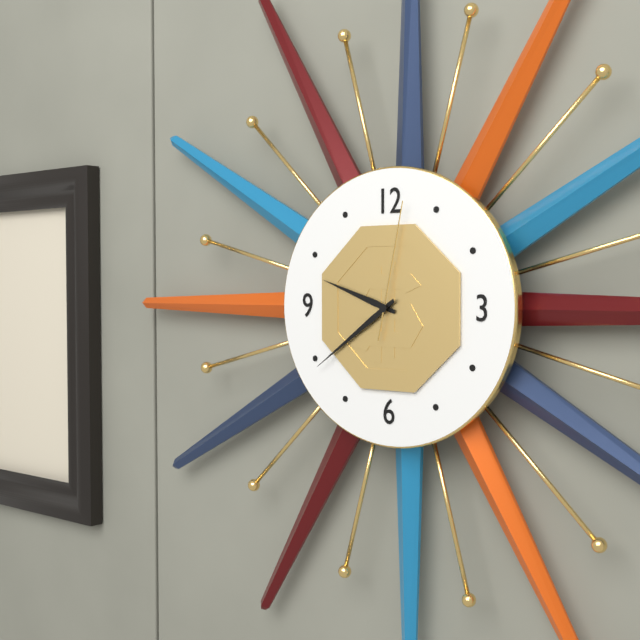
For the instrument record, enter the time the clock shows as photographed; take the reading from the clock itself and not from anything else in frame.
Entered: 9:39:02
